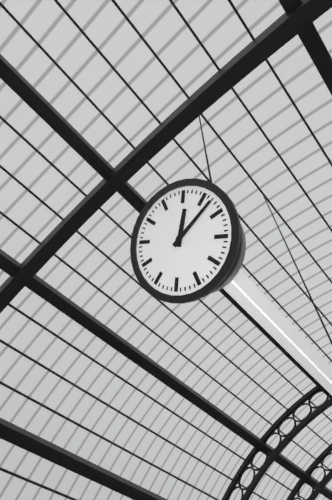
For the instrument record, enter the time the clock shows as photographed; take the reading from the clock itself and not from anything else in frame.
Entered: 1:12
